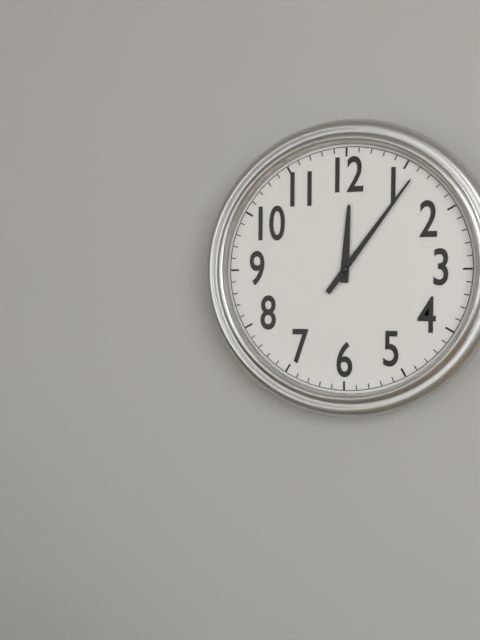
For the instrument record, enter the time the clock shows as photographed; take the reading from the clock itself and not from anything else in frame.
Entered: 12:06
